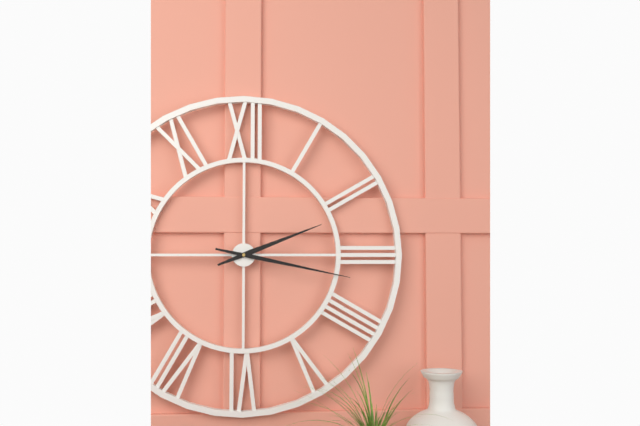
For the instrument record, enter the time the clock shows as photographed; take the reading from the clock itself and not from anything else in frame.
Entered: 2:17
